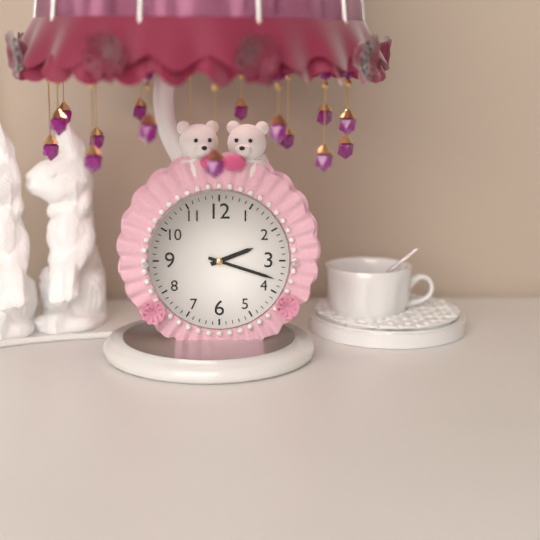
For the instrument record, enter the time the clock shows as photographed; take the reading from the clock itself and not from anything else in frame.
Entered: 2:18
